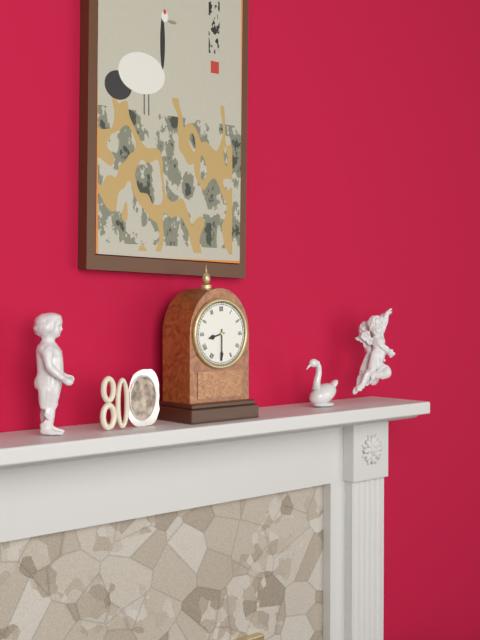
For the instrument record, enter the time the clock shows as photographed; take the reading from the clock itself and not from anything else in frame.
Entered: 8:30
